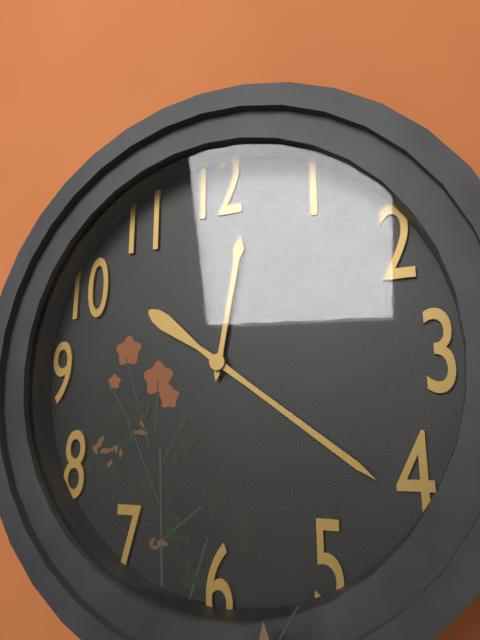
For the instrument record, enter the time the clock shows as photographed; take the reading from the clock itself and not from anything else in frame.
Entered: 12:21
